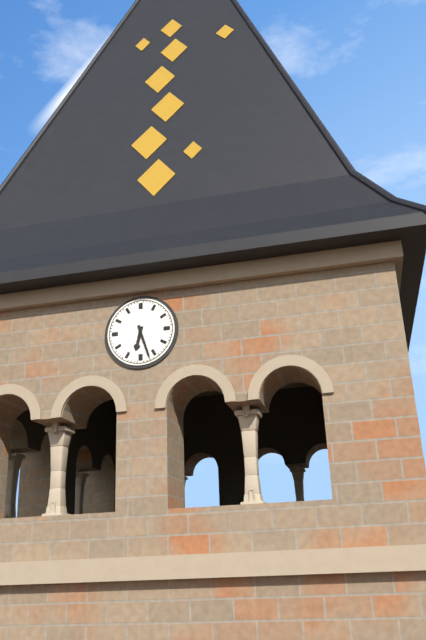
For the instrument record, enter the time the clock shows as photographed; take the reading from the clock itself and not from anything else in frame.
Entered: 6:27
